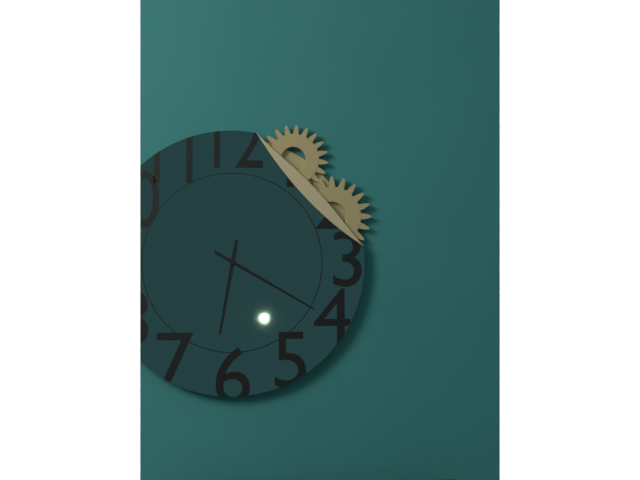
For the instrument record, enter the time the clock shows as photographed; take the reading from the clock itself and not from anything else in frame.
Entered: 6:20
